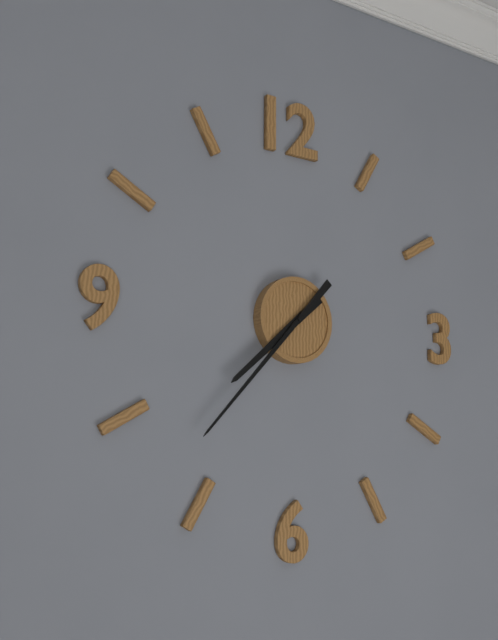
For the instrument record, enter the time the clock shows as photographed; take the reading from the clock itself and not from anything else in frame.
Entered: 7:37
